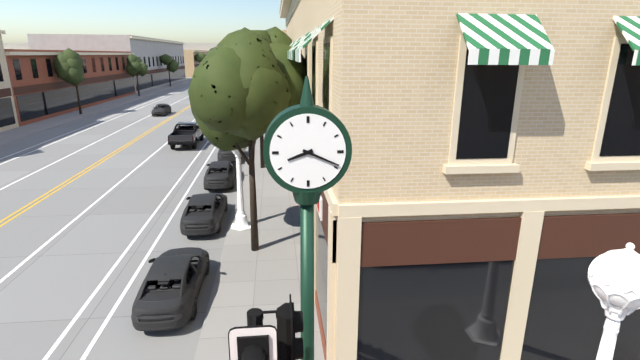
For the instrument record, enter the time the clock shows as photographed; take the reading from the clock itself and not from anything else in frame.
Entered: 8:19
